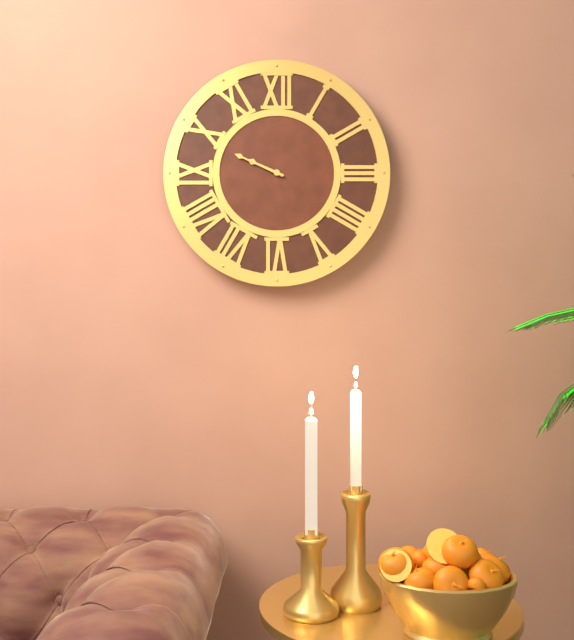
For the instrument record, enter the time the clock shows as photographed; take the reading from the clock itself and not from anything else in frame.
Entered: 9:49
